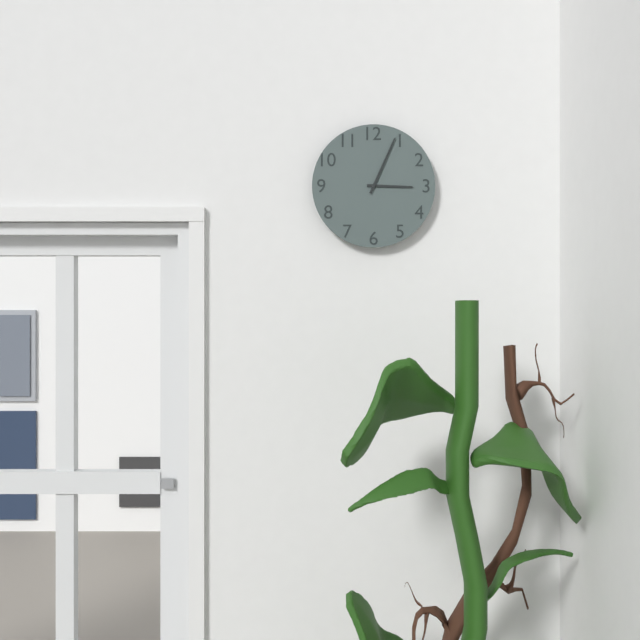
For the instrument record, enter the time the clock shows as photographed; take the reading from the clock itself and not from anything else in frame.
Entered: 3:04
